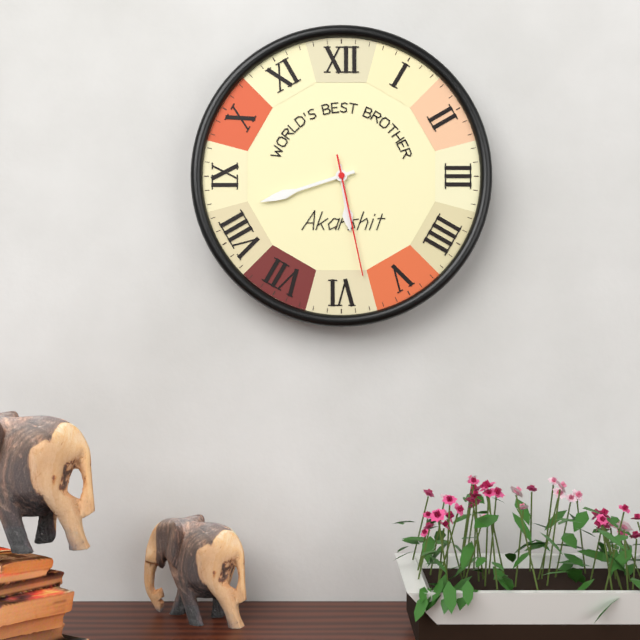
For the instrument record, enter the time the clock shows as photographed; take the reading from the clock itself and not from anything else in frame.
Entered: 5:42:28
